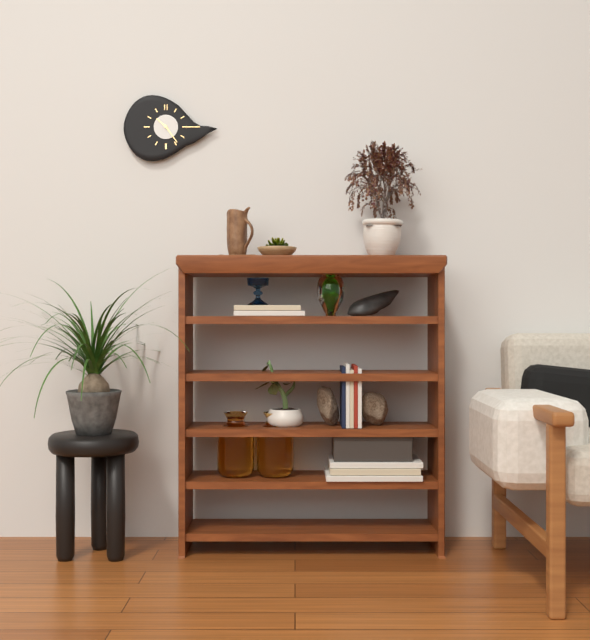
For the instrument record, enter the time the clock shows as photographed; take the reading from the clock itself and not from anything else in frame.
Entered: 10:24
